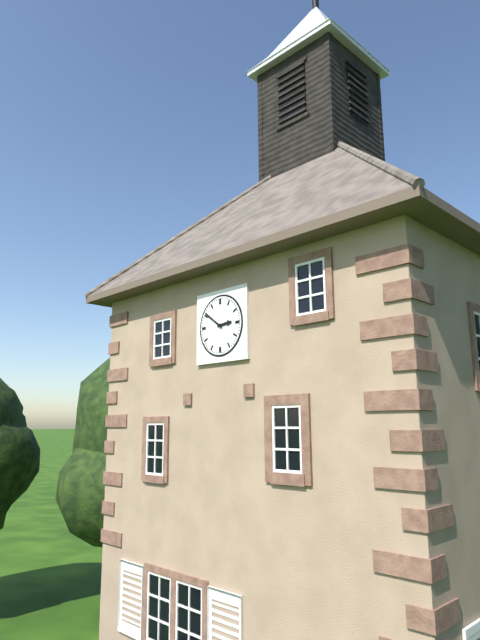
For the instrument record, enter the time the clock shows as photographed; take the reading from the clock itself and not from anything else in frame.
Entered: 2:51
